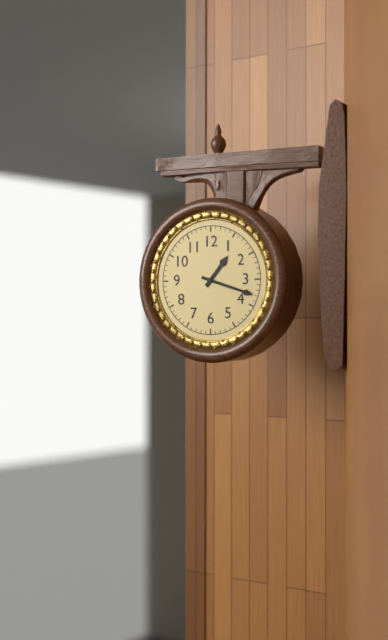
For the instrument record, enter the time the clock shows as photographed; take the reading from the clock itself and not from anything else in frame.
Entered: 1:18
